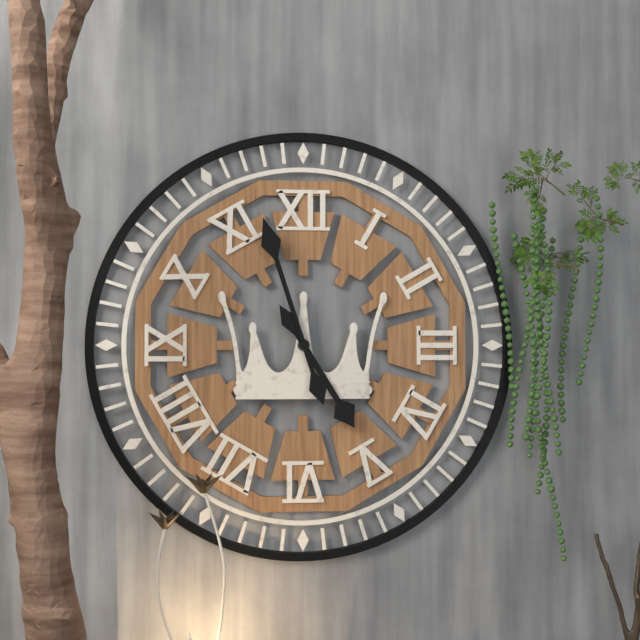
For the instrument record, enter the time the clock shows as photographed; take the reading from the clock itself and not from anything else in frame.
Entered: 4:57
